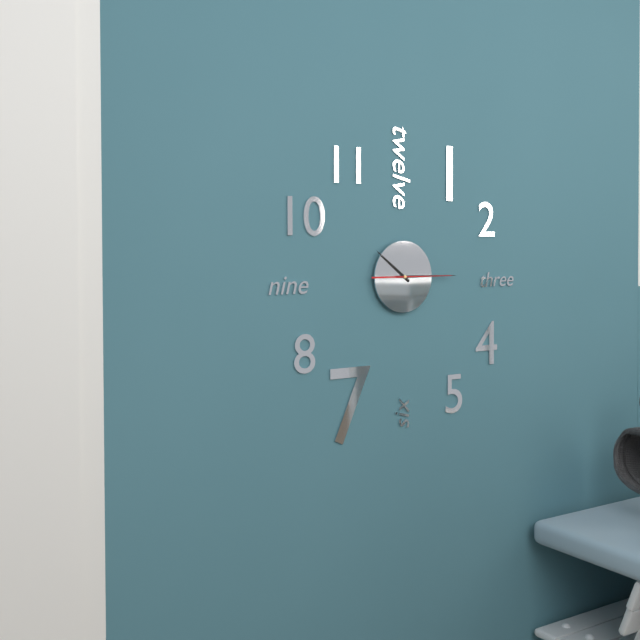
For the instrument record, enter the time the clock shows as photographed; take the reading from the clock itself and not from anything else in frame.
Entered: 10:15:15
